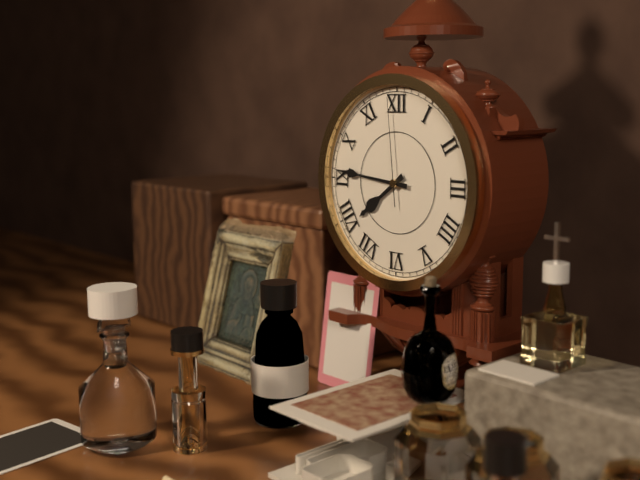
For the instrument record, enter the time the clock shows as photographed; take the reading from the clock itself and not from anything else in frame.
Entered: 7:46:59
